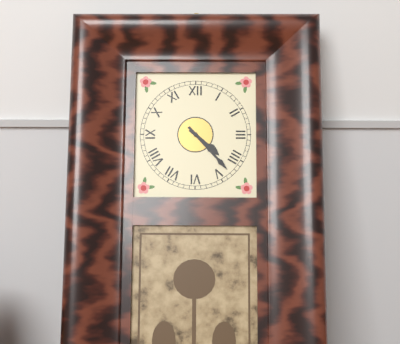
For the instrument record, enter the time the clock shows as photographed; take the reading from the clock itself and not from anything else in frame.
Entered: 4:23
